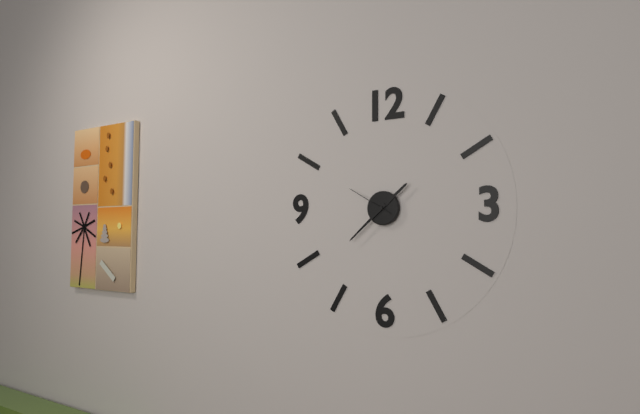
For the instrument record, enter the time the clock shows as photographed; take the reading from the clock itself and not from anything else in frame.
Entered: 1:38
